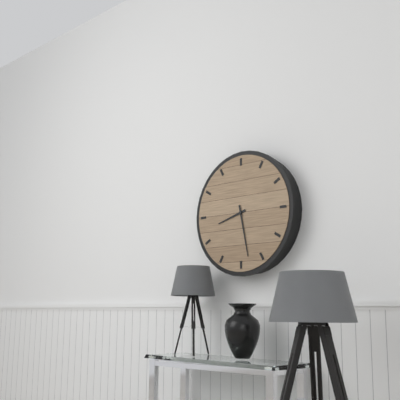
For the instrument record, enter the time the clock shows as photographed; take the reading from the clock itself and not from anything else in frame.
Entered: 8:28
